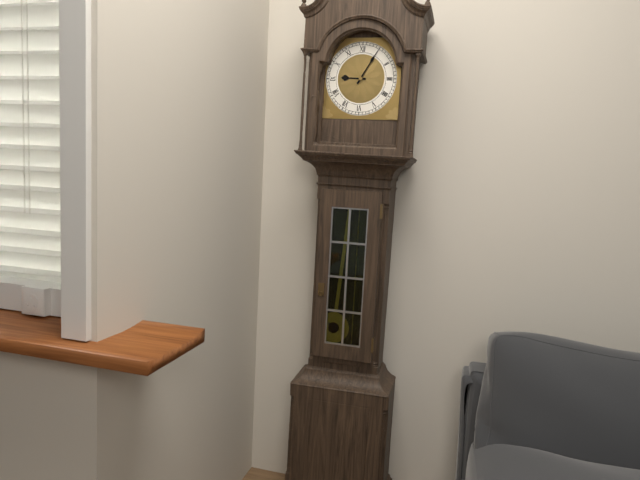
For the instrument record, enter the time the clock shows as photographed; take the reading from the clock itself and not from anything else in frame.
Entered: 9:05
